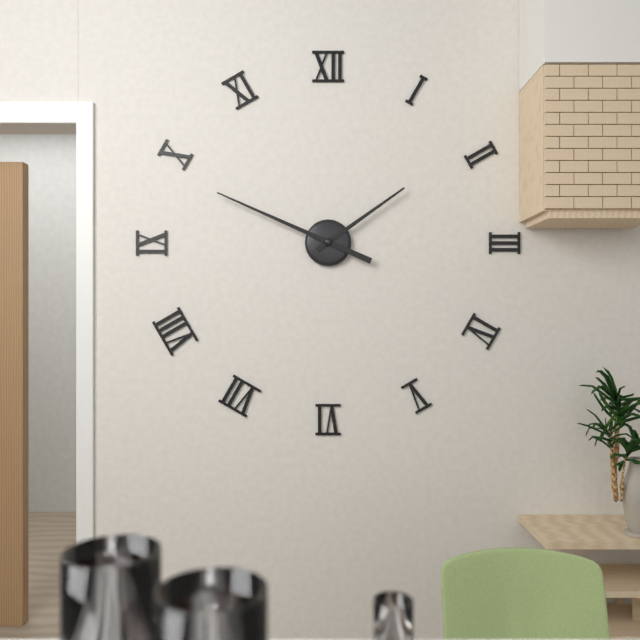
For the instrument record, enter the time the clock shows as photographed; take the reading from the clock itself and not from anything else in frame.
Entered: 1:49
